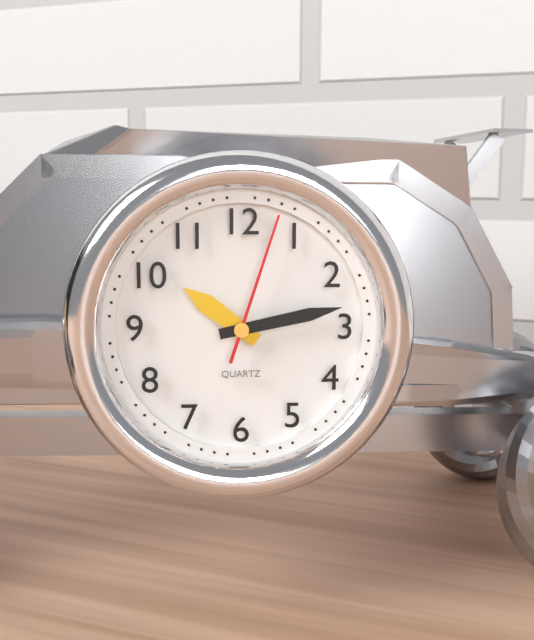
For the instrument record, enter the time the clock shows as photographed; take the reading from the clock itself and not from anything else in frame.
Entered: 10:13:03
